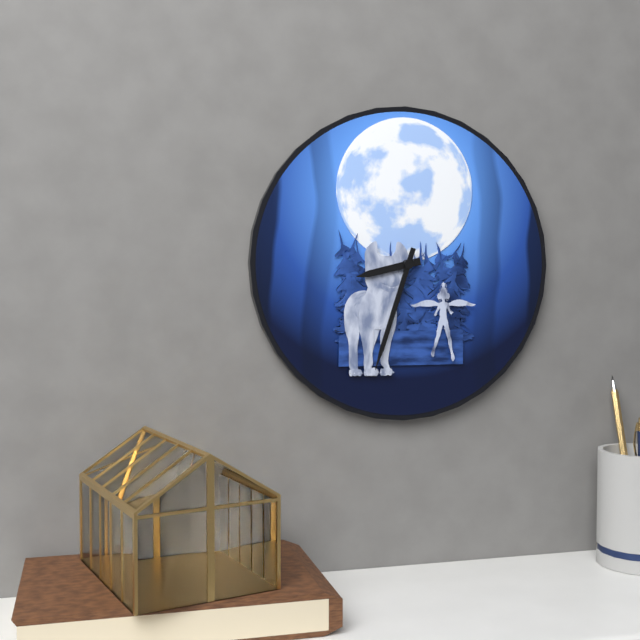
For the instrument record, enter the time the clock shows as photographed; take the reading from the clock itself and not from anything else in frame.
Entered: 8:33
